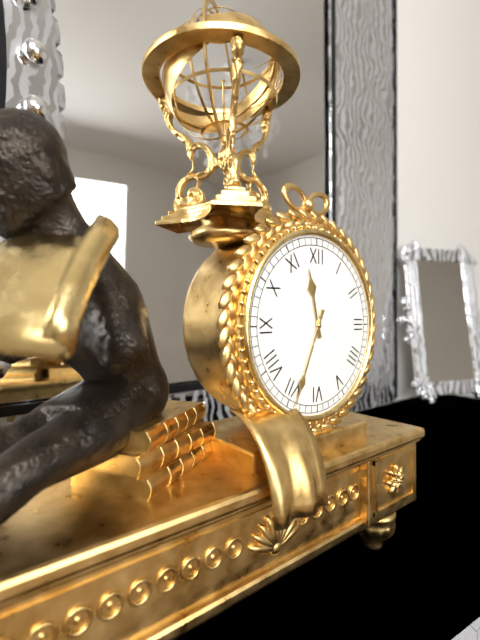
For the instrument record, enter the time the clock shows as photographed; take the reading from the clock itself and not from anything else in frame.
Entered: 11:34
